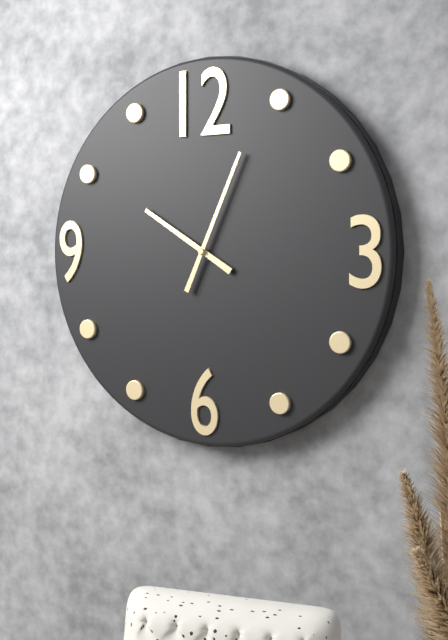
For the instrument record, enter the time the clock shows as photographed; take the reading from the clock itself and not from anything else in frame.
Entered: 10:04
